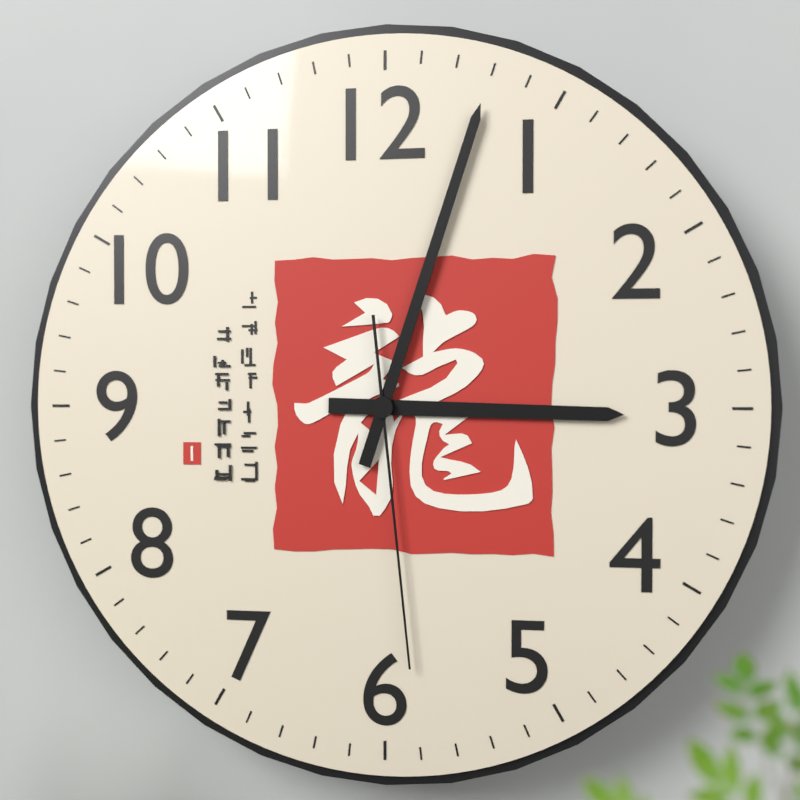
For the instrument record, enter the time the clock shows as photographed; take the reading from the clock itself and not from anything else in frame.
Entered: 3:03:29
